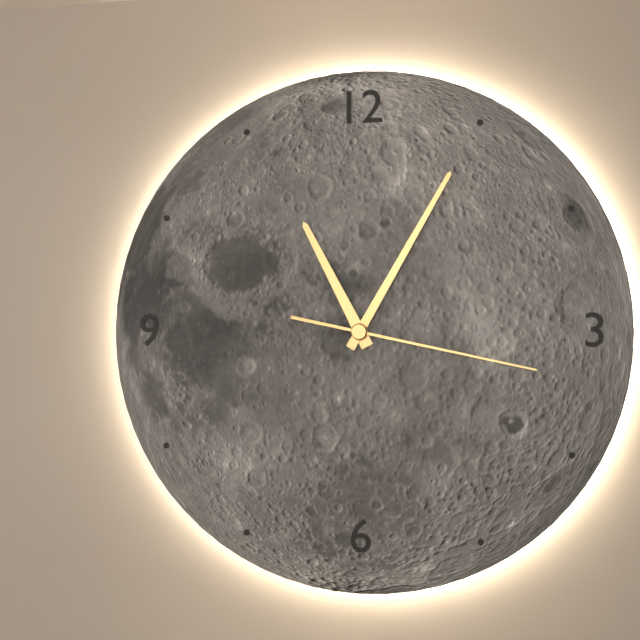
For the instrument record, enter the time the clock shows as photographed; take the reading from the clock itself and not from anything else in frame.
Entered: 11:05:17
